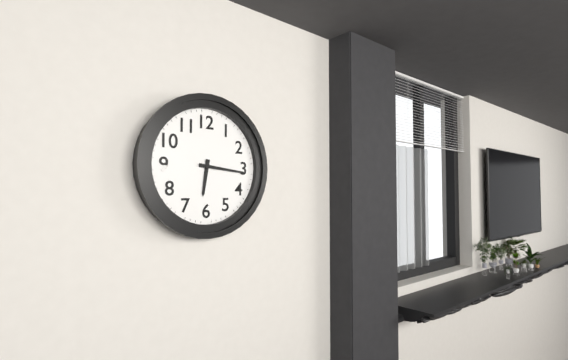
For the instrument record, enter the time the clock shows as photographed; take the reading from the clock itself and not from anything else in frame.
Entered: 6:16
